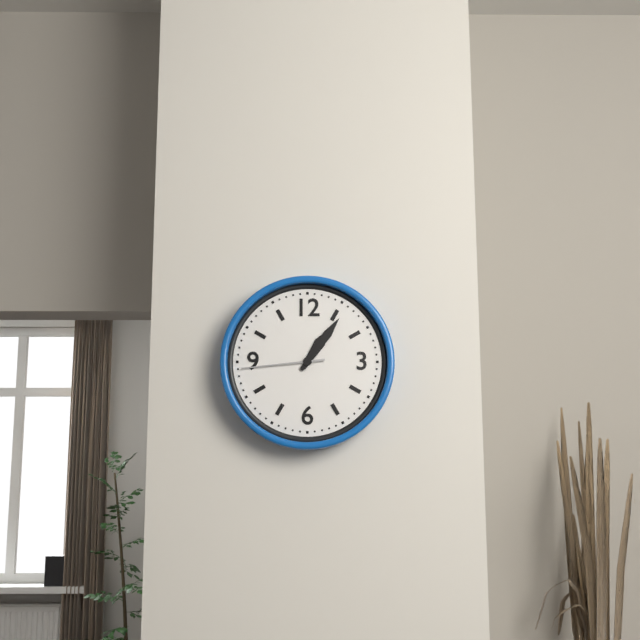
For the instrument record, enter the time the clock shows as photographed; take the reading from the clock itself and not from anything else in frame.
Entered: 1:06:44
